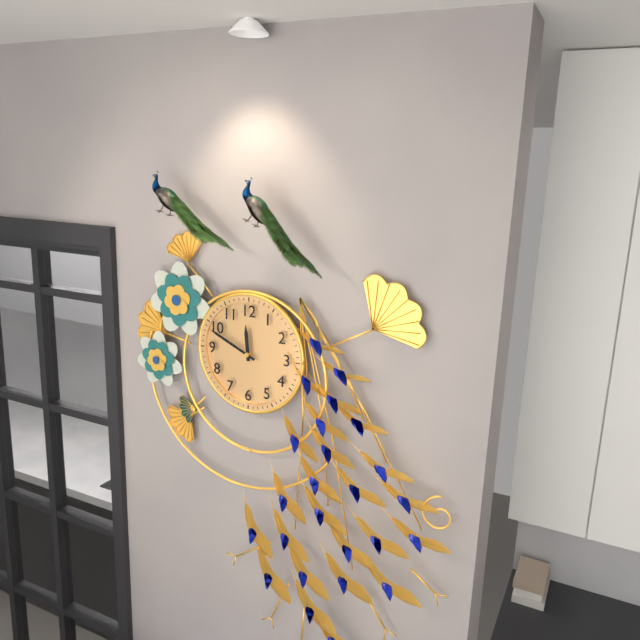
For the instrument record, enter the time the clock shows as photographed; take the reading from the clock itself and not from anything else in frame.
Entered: 11:49
